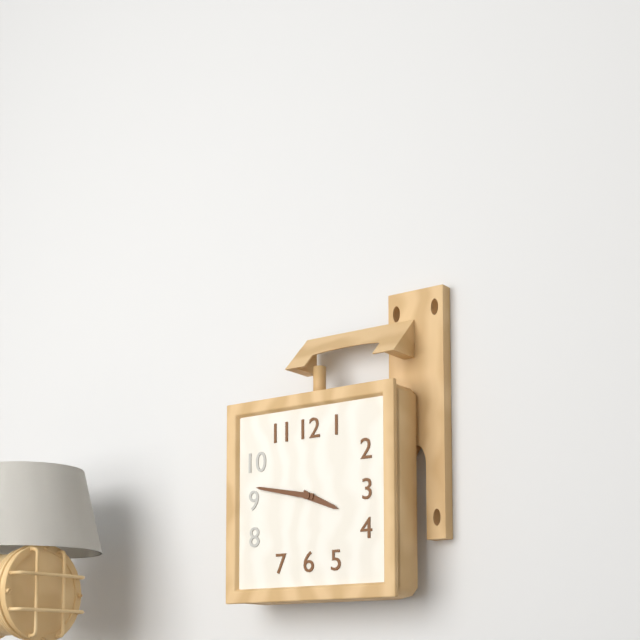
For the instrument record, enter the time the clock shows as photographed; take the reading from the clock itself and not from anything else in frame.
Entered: 3:47
